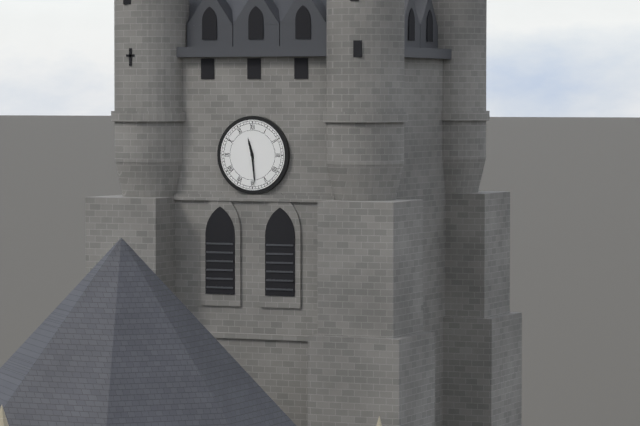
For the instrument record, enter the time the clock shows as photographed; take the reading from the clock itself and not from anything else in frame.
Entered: 11:29
